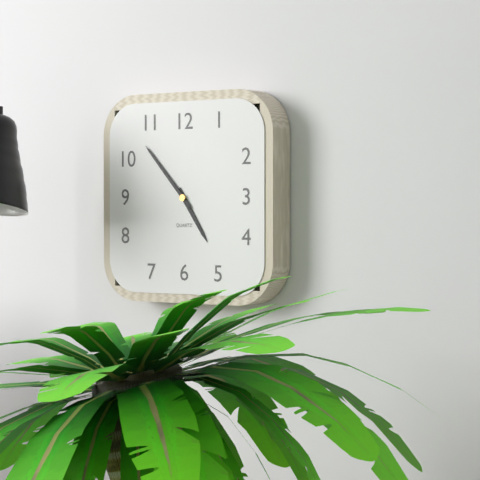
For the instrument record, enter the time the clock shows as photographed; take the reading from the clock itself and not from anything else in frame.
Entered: 4:53
